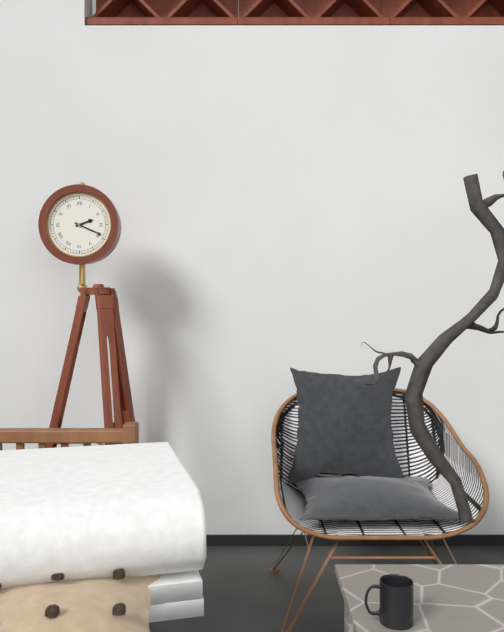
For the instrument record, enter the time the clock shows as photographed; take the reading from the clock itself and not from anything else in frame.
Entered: 2:19
